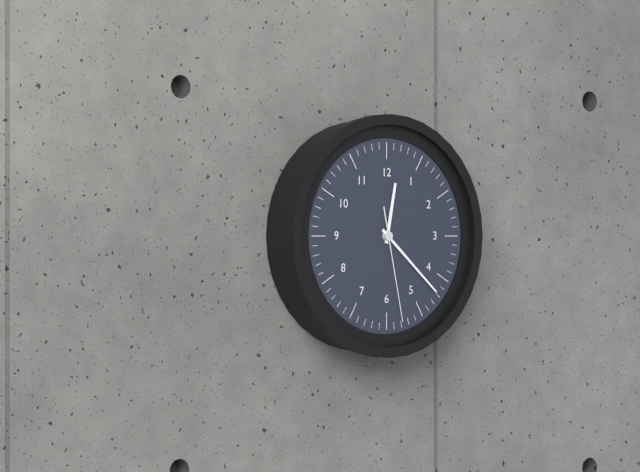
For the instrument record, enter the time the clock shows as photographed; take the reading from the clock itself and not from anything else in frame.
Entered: 12:22:28
